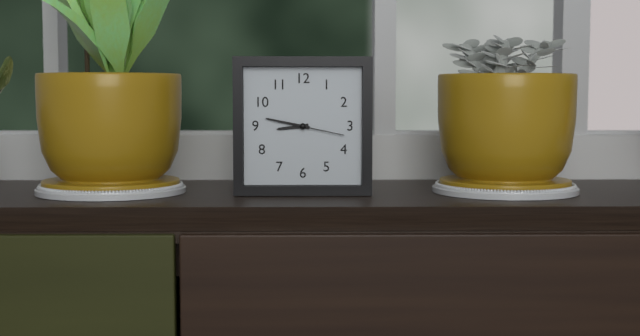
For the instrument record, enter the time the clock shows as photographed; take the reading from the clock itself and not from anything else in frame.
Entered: 8:47:17
